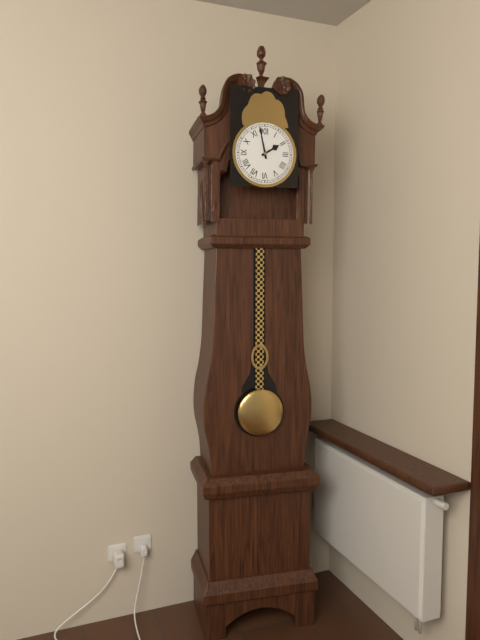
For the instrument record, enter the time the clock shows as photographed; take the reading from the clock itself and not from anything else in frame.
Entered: 1:58
